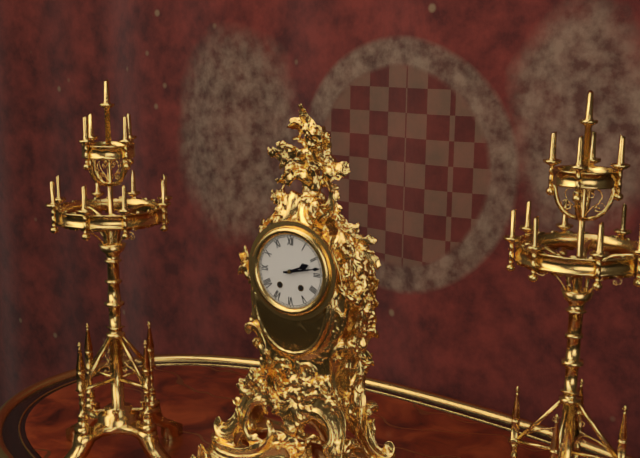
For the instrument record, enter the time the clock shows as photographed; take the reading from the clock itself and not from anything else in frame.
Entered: 2:13
